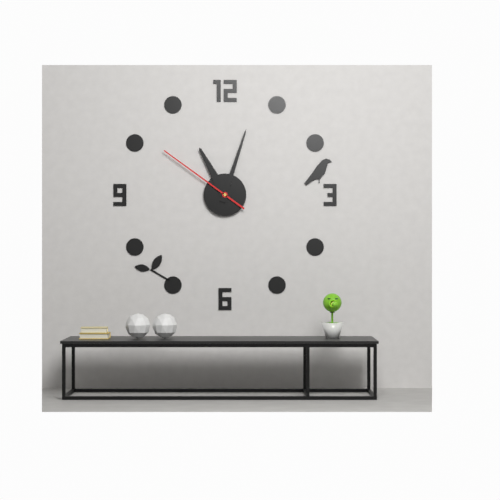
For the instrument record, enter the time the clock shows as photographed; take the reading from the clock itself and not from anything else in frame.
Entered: 11:03:51
